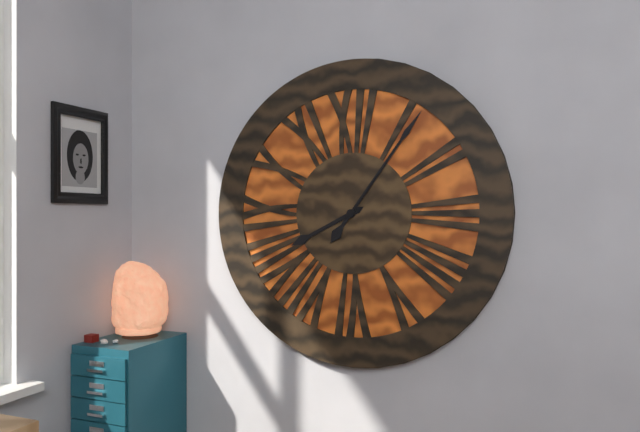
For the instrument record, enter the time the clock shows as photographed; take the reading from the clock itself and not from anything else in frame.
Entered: 8:06
